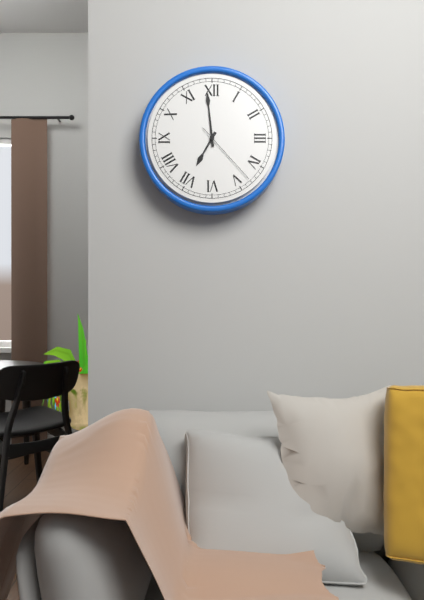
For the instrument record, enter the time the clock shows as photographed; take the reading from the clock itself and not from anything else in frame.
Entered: 6:59:23
